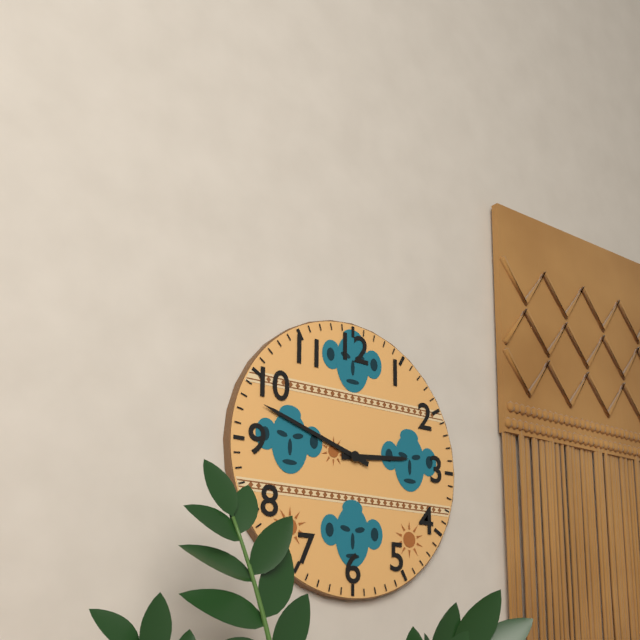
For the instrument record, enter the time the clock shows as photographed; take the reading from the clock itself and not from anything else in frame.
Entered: 2:48
